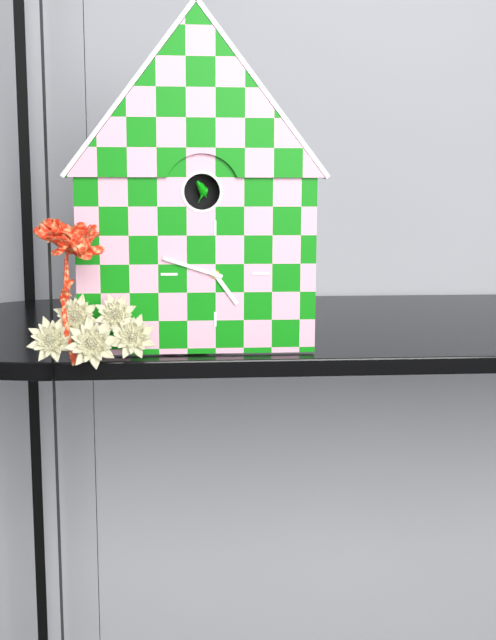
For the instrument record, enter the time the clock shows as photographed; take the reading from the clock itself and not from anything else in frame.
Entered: 4:48
